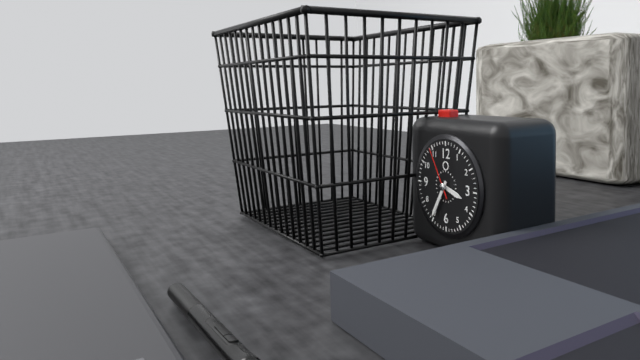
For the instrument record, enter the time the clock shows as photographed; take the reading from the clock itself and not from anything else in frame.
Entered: 3:35:55
